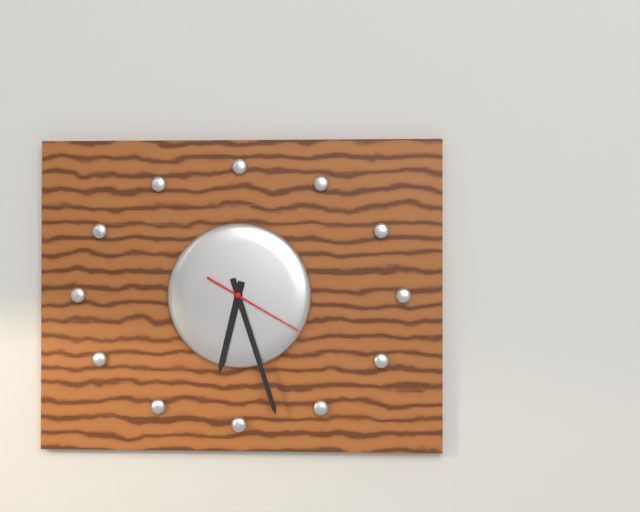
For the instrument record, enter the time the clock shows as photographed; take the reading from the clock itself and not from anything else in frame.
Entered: 6:27:20
